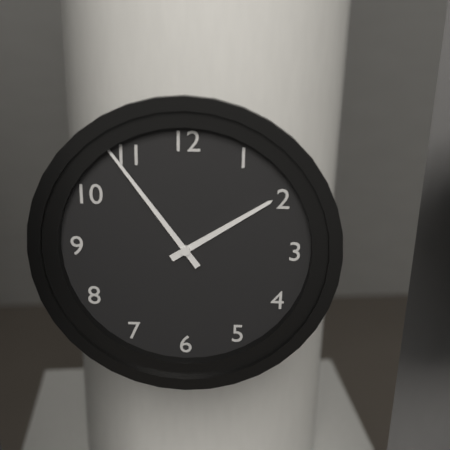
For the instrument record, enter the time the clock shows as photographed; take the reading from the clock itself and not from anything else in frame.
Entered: 1:54
